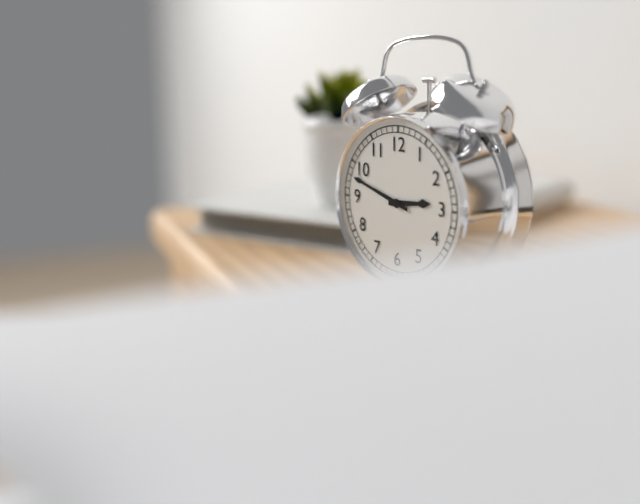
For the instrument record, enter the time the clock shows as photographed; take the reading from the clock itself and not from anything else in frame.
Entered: 2:48
